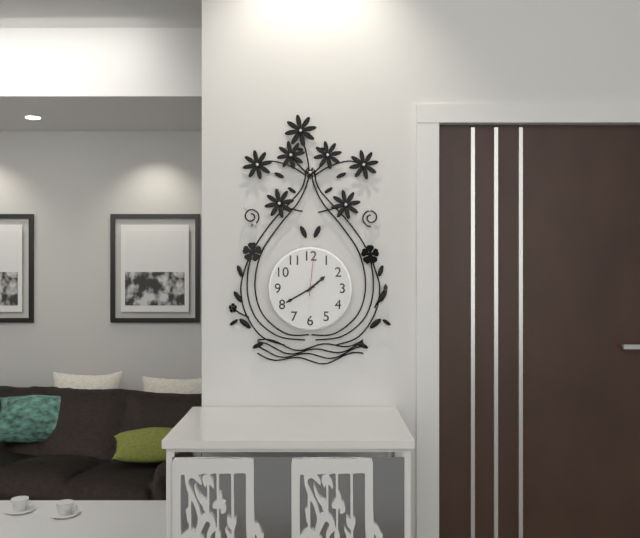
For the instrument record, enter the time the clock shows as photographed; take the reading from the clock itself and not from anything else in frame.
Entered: 1:40
